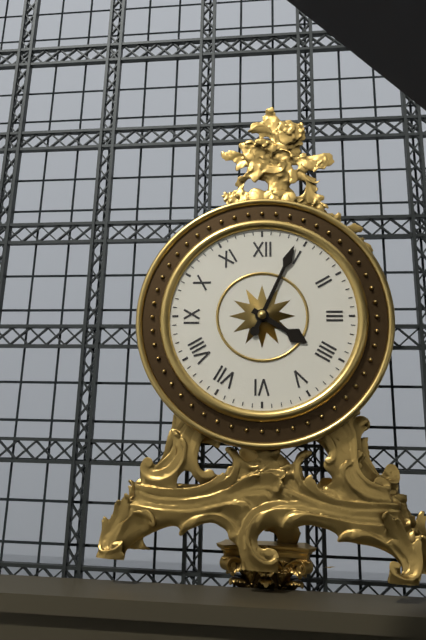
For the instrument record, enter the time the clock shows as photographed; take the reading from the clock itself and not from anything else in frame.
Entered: 4:04
